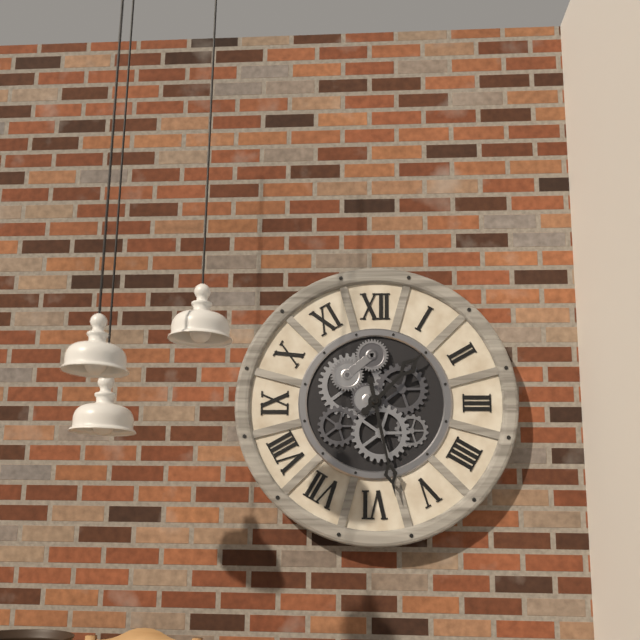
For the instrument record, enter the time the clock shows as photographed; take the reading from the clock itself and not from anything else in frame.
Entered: 1:28
